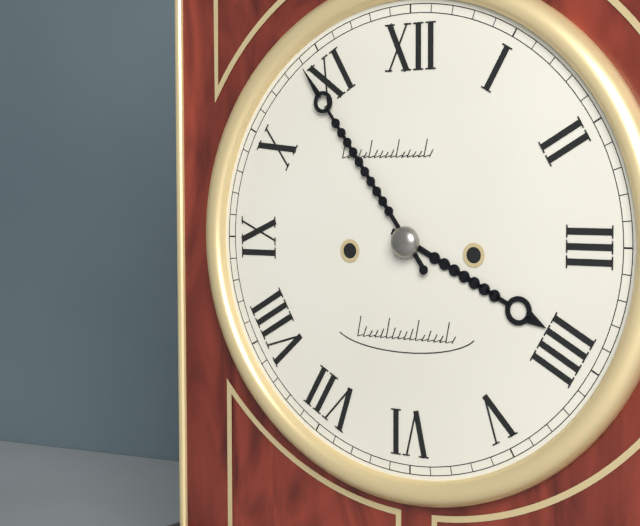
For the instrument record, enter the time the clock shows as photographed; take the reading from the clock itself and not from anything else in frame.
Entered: 3:54
